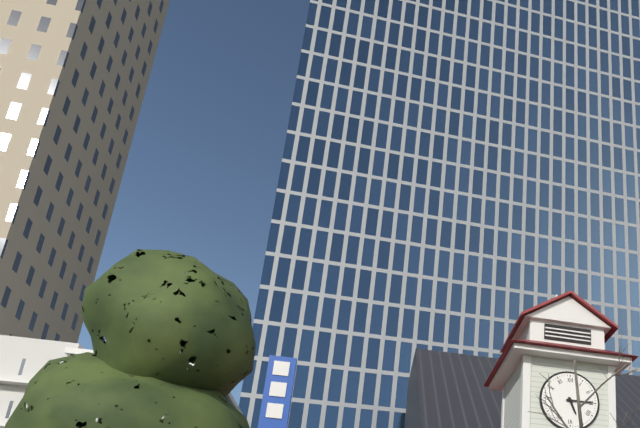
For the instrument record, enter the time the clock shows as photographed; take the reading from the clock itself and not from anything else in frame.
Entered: 5:15
